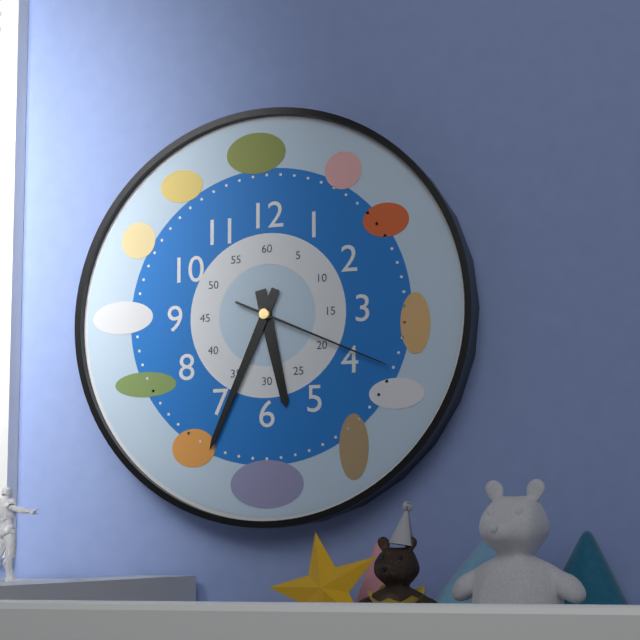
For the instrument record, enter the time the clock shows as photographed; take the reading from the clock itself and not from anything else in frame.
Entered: 5:34:19
